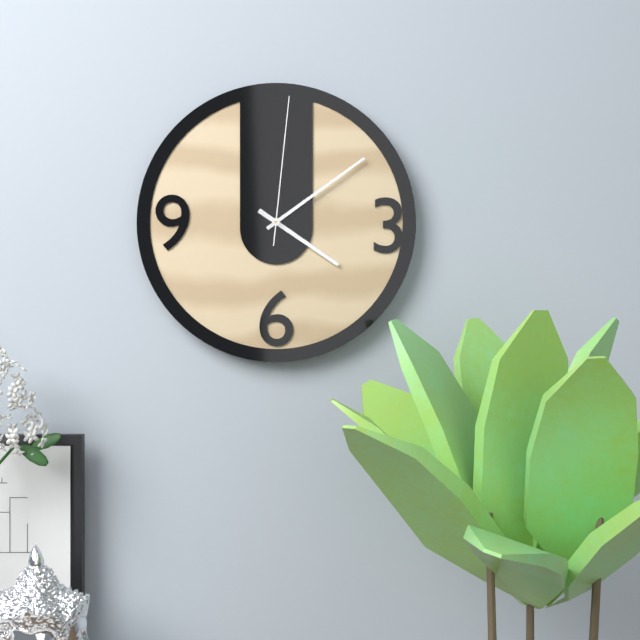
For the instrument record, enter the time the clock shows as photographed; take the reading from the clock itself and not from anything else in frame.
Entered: 4:09:01
